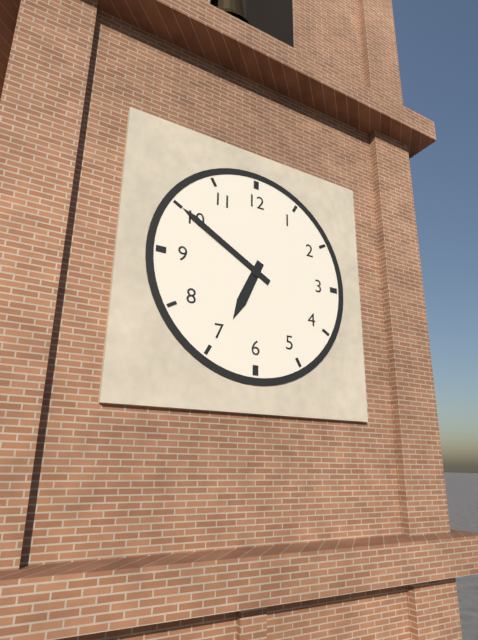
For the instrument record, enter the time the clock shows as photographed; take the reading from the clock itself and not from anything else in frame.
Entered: 6:50
